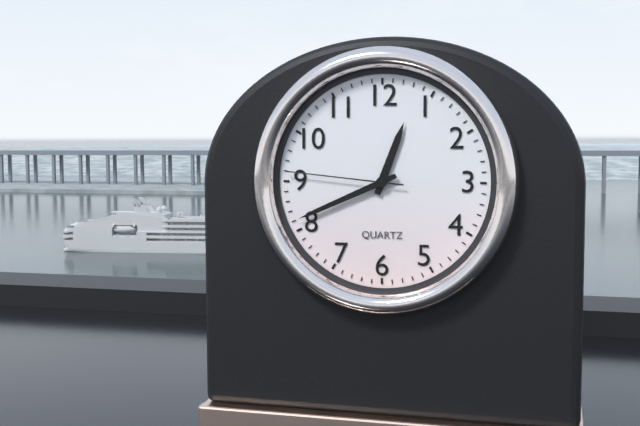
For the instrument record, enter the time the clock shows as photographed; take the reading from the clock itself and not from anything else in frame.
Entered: 12:41:46
